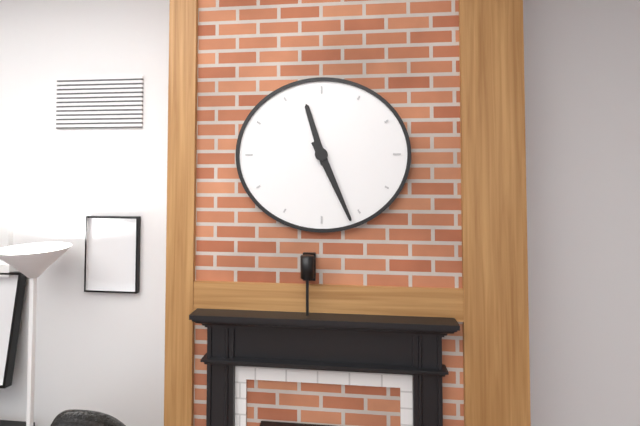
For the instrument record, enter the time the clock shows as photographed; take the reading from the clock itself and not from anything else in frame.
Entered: 11:26
